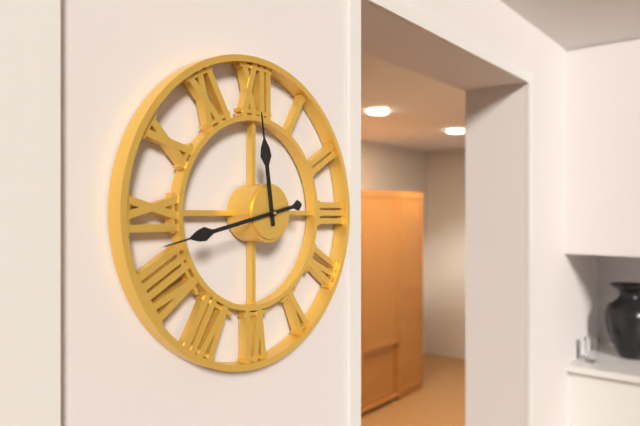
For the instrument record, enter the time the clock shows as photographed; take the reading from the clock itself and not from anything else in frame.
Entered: 11:43
